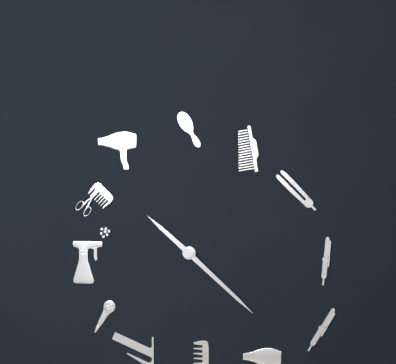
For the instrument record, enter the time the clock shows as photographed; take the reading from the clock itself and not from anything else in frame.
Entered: 10:22
